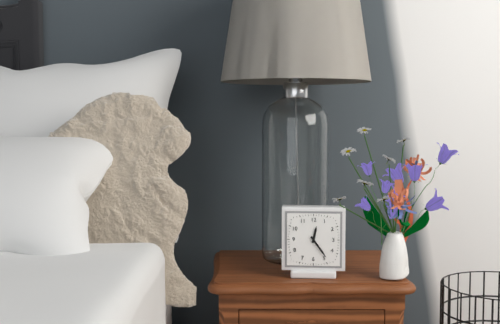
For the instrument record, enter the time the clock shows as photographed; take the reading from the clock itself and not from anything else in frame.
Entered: 12:24
